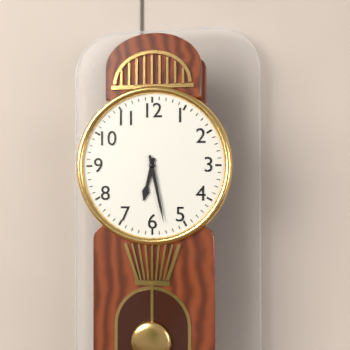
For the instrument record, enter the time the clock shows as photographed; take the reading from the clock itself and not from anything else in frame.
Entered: 6:28
